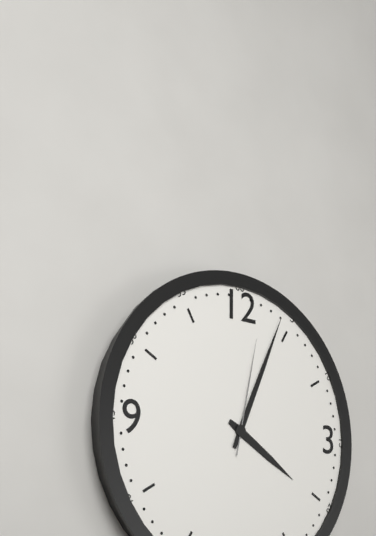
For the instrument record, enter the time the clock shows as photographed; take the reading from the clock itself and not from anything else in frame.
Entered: 4:04:02
